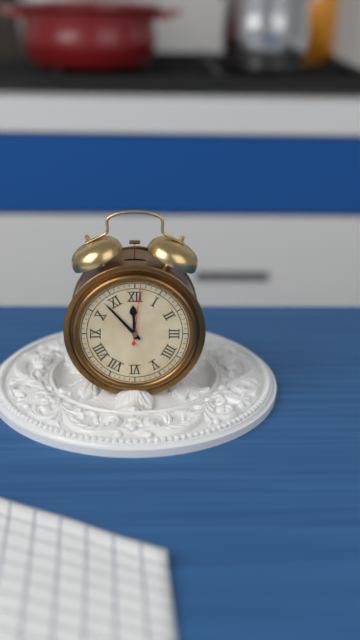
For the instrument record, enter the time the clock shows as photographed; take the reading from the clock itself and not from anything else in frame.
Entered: 11:53:01
